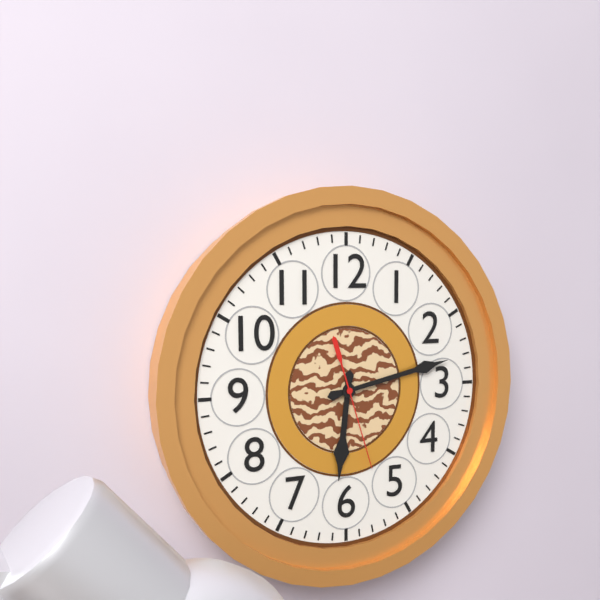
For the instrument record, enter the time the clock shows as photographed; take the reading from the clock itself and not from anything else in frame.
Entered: 6:13:27
